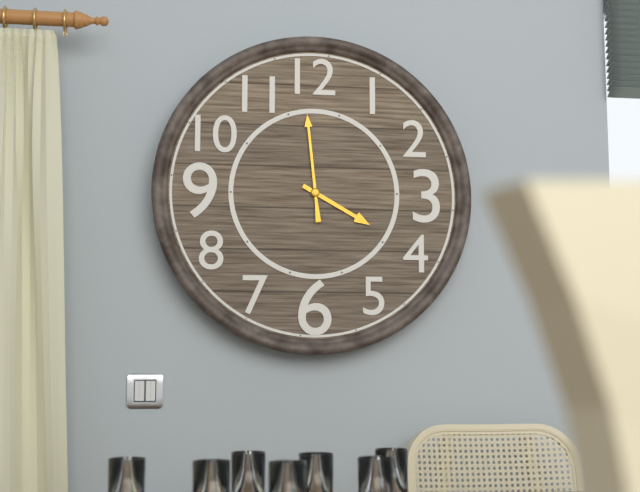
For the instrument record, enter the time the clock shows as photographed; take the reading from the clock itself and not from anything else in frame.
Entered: 3:59
